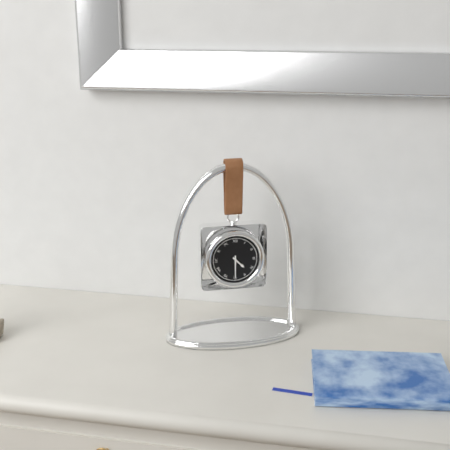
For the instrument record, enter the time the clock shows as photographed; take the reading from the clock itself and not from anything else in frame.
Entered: 4:30
